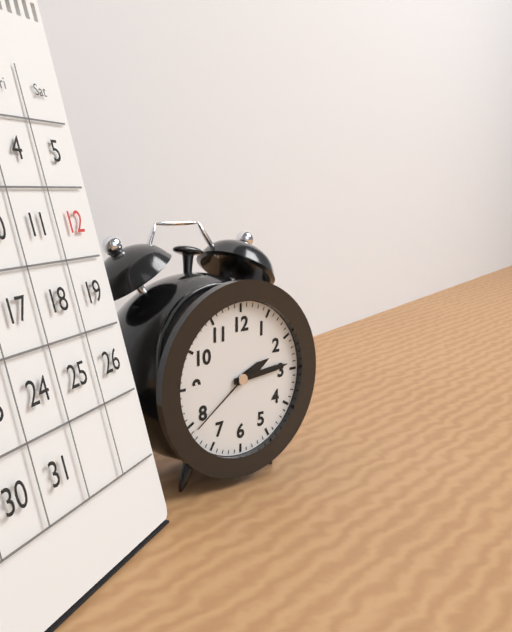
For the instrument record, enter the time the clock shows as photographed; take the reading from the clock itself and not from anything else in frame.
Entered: 2:14:39
